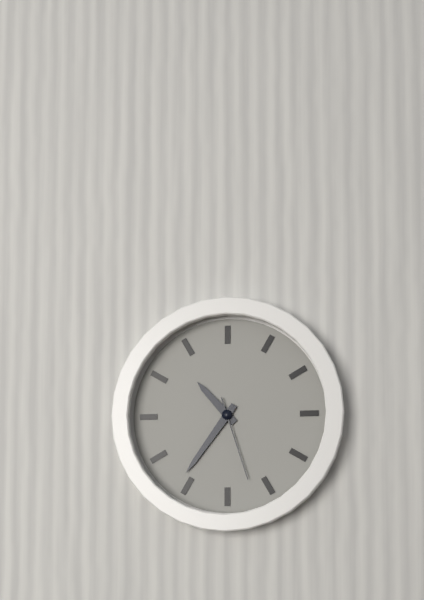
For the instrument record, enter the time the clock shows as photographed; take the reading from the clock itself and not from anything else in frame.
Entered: 10:36:27
